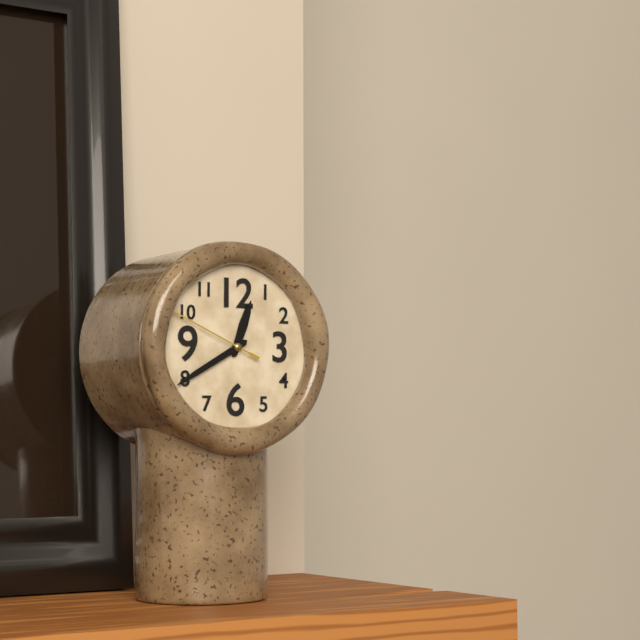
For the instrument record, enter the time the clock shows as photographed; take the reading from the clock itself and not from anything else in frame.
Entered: 12:40:49
